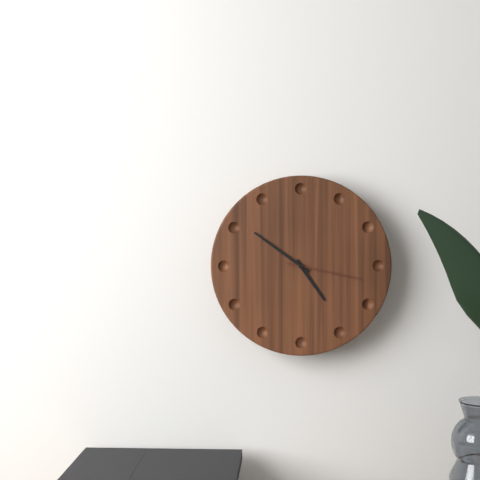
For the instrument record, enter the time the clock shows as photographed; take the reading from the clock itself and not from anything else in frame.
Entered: 4:51:17
